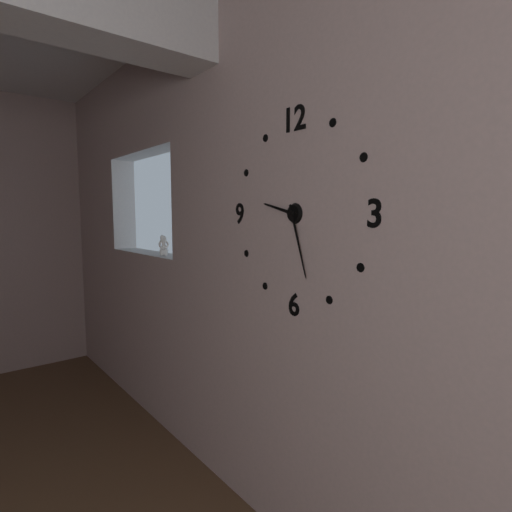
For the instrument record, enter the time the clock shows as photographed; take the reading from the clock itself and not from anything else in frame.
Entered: 9:27
